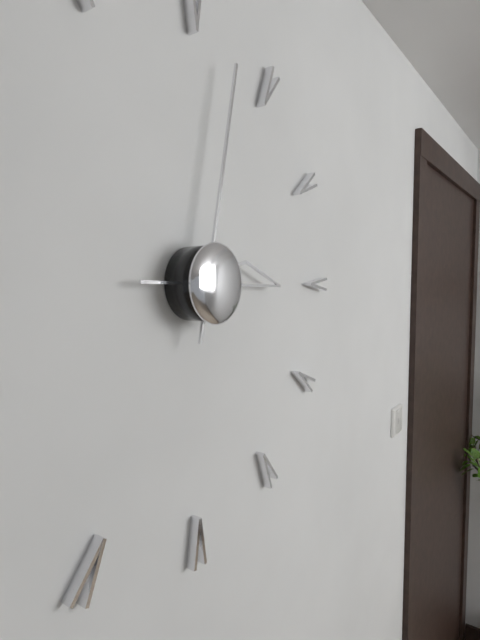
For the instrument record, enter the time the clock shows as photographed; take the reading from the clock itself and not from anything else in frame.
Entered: 3:02
